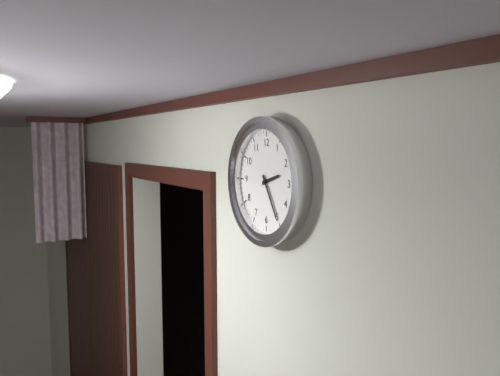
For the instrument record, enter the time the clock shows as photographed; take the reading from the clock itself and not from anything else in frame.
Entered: 2:25
